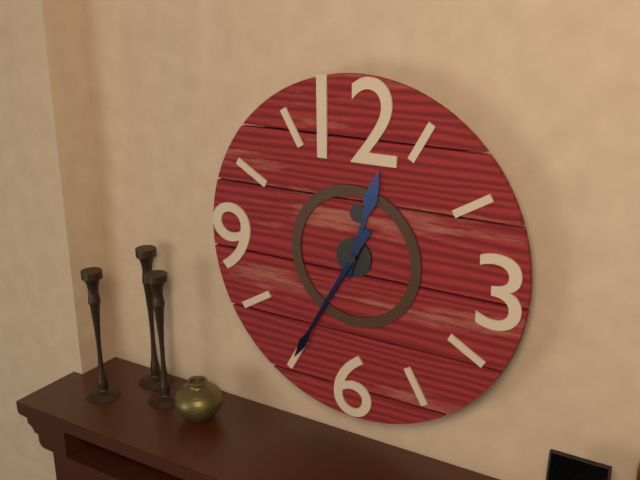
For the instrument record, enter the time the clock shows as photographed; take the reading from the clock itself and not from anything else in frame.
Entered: 12:35
